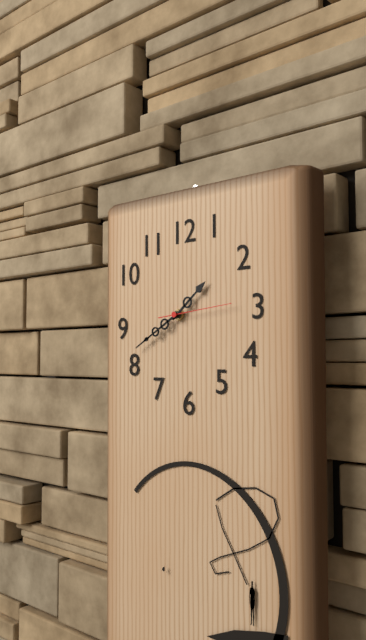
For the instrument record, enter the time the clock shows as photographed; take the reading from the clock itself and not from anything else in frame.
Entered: 1:40:14
